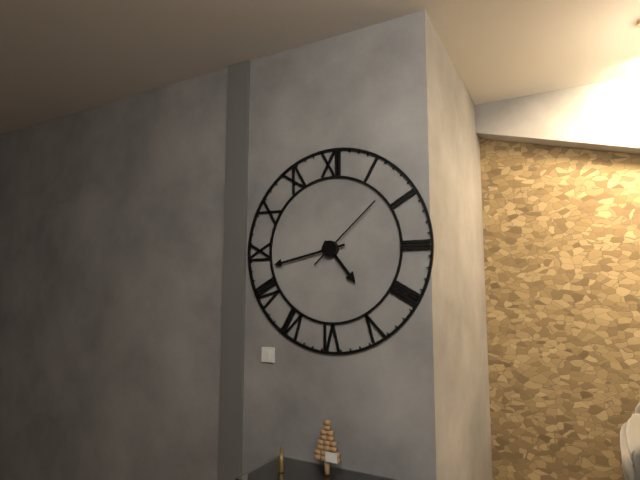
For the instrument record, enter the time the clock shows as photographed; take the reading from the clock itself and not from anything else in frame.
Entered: 4:43:08
